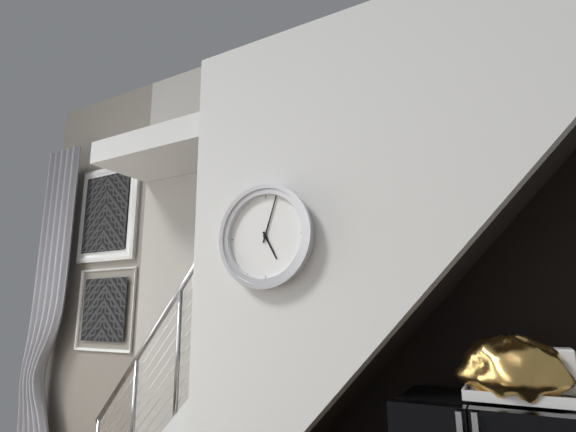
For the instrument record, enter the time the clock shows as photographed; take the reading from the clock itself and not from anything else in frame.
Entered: 5:03
